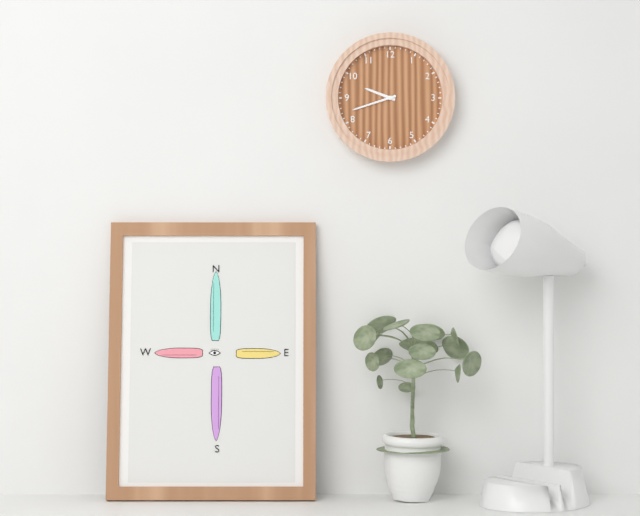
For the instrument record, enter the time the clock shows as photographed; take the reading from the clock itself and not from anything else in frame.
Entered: 9:42
